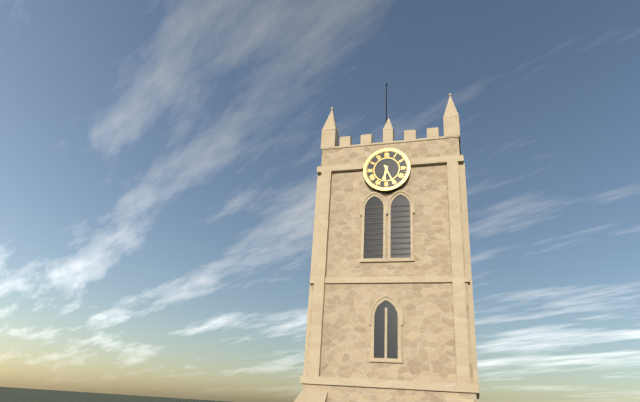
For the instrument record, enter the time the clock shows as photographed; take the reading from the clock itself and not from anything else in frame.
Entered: 6:26
